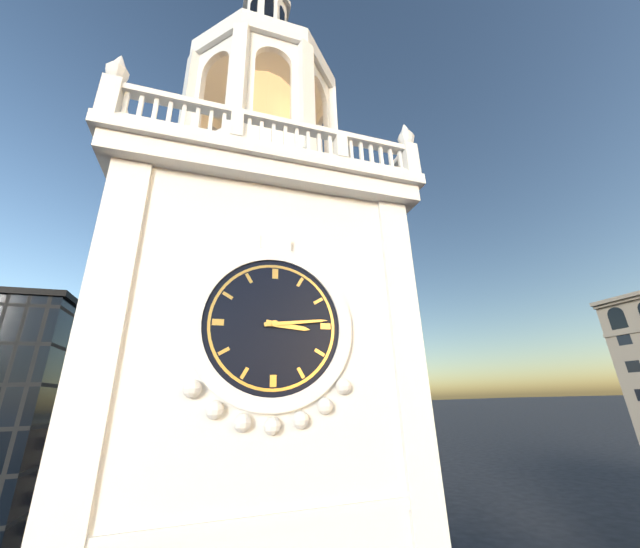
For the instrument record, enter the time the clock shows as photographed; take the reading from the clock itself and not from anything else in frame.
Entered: 3:14
